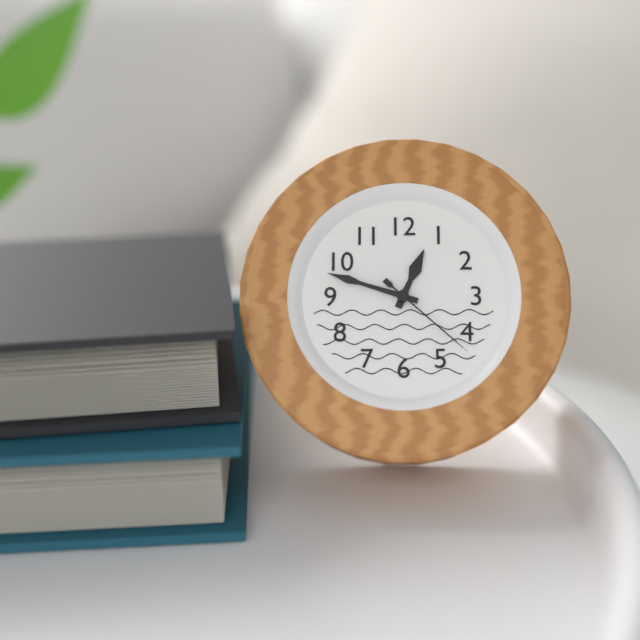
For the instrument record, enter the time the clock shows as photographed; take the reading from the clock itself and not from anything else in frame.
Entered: 12:48:22
